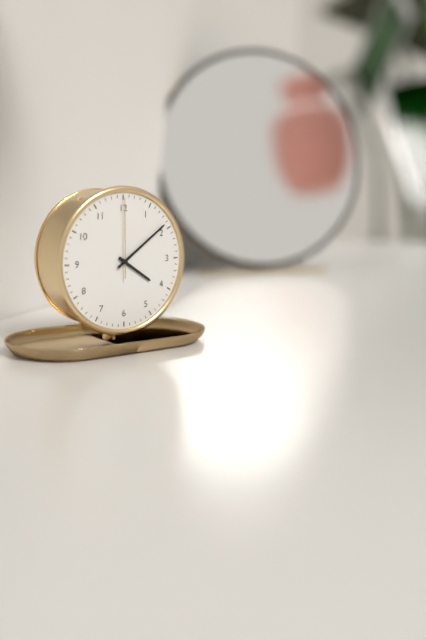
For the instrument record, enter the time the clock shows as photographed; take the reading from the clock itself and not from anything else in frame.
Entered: 4:09:00
